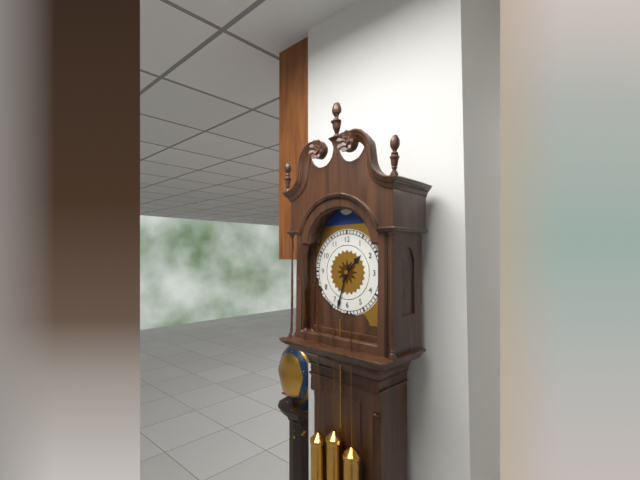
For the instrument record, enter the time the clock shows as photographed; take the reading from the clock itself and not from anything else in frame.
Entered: 1:33
